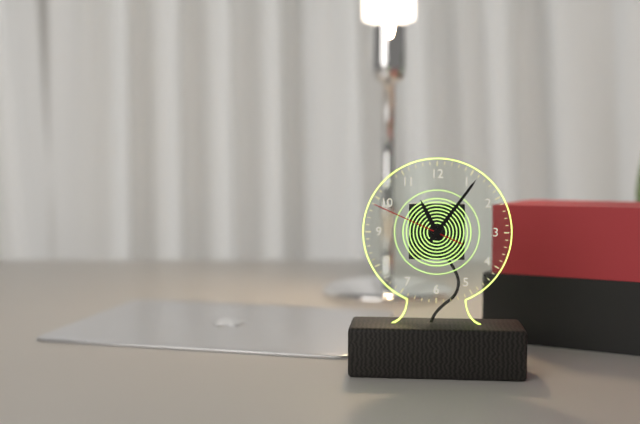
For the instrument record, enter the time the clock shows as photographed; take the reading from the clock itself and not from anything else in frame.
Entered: 11:06:49
